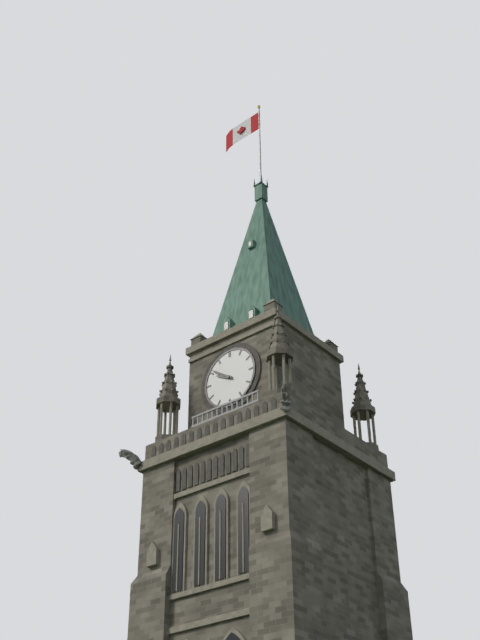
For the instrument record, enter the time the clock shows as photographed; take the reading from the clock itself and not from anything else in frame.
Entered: 9:51
